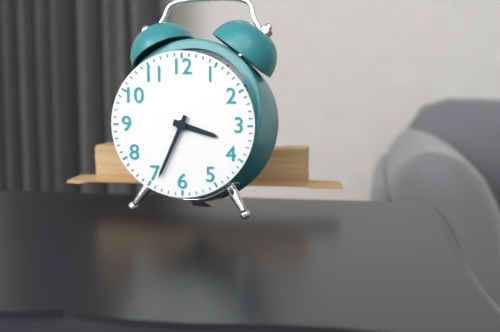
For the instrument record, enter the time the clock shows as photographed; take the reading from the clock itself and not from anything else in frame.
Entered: 3:34
